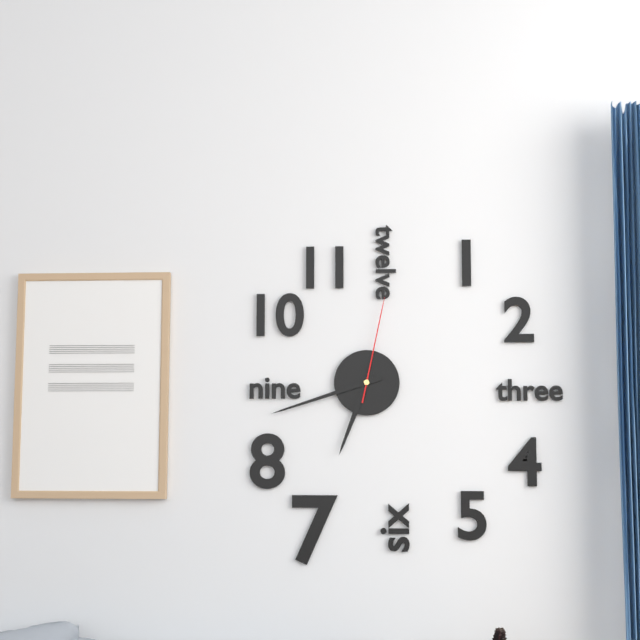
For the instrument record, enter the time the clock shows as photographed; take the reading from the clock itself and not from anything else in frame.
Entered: 6:42:02
